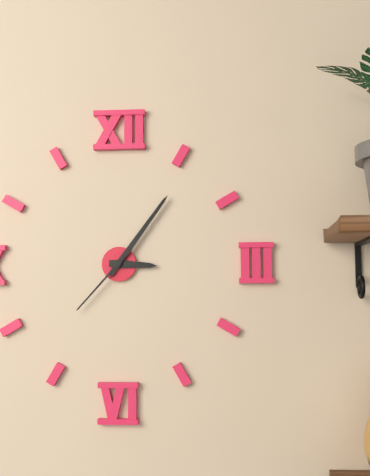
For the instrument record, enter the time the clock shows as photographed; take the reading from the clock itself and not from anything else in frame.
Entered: 3:06:37
